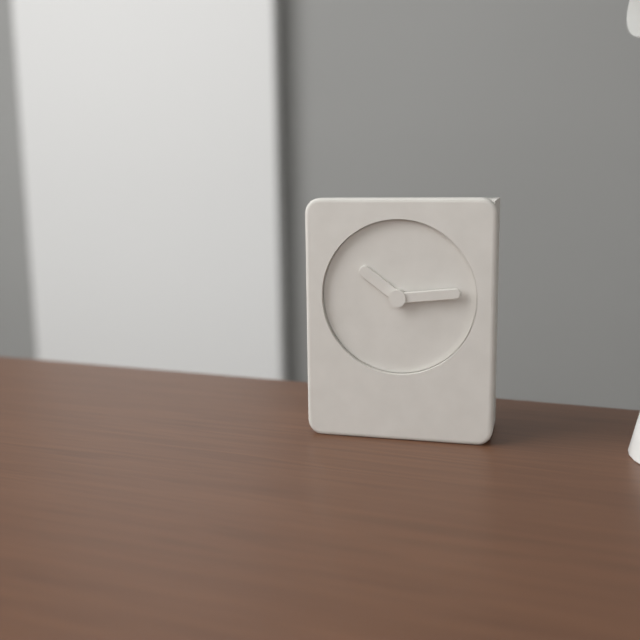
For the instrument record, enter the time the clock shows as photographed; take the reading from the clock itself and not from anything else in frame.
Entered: 10:14
